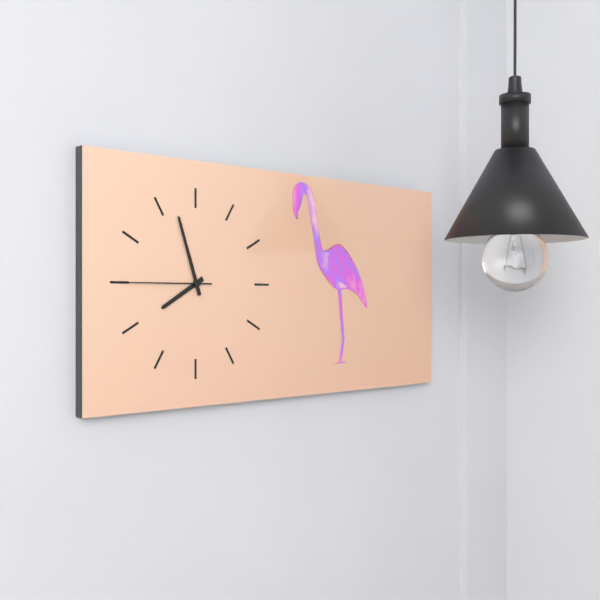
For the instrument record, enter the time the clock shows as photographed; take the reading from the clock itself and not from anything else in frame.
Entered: 7:57:45
